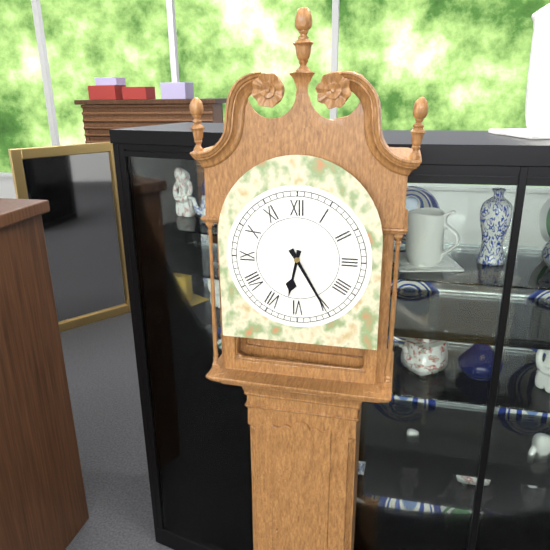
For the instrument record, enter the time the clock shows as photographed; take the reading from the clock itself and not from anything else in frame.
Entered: 6:25
